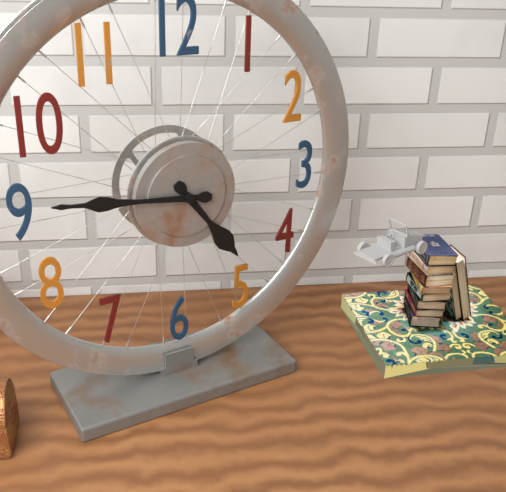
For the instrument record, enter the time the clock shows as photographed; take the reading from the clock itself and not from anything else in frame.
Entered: 4:46
